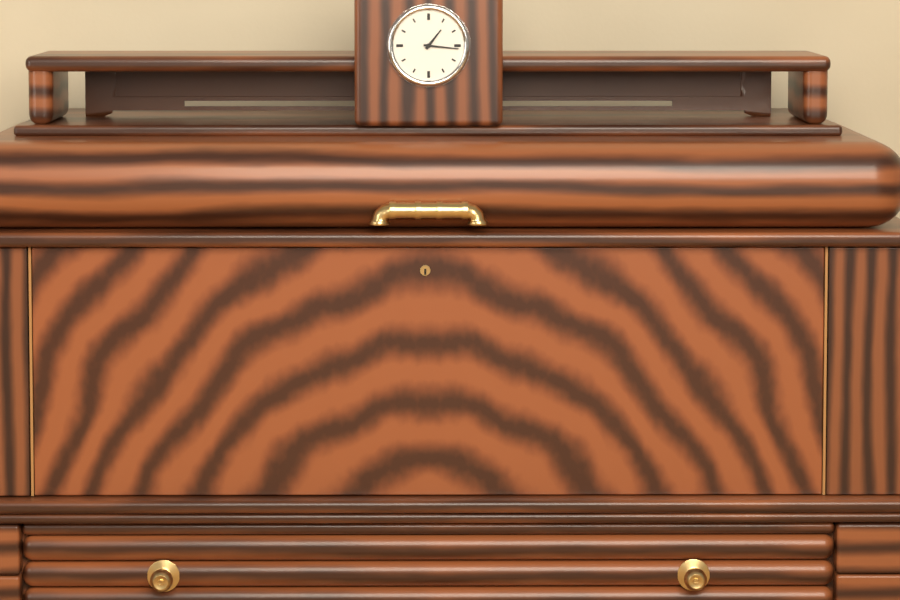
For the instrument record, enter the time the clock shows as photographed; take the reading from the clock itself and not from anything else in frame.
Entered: 1:16
